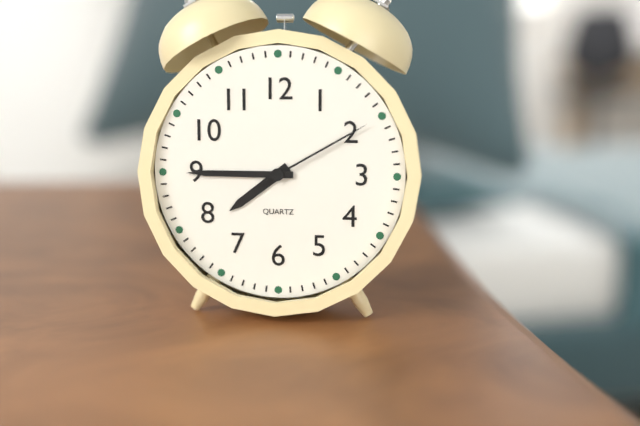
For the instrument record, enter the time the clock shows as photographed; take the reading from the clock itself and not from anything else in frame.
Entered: 7:45:10
